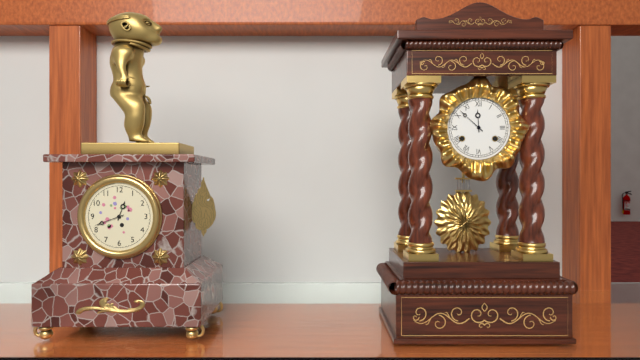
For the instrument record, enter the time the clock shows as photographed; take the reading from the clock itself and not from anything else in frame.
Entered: 11:52
